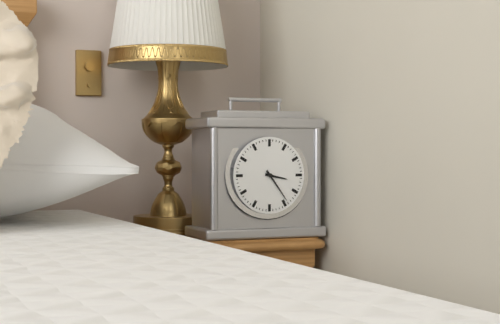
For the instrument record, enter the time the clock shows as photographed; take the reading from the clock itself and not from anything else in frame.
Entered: 3:24
